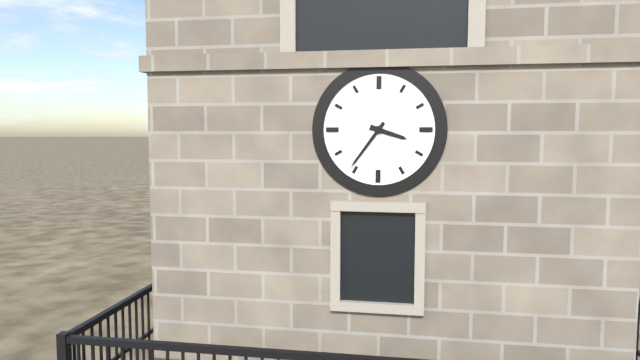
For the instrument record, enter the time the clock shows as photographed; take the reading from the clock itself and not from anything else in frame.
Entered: 3:36
